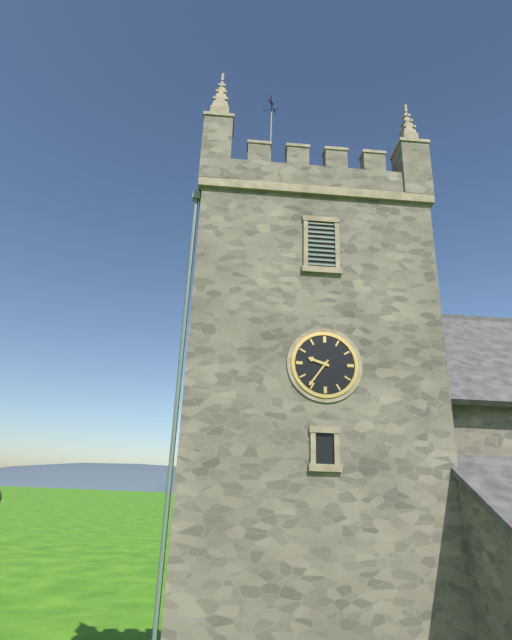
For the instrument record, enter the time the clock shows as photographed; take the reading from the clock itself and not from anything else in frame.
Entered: 9:36
